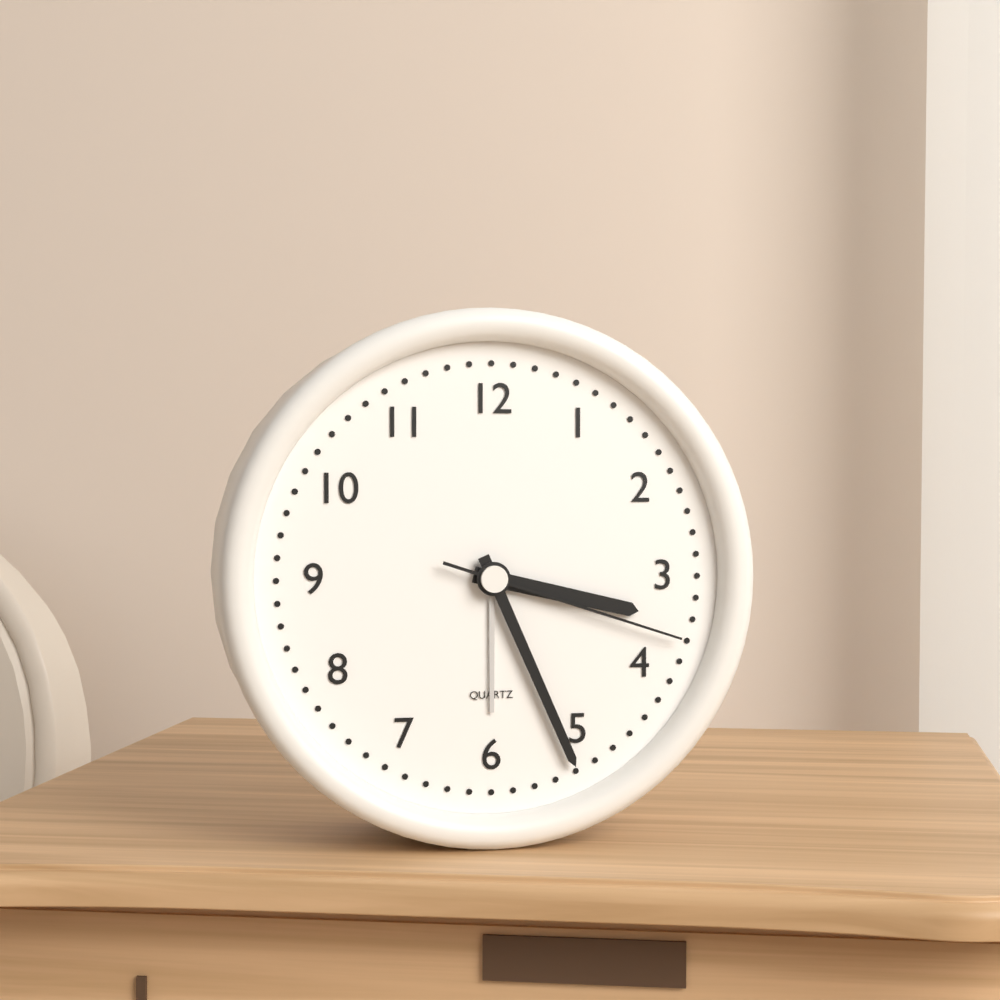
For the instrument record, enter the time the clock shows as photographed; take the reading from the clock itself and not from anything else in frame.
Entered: 3:26:18
